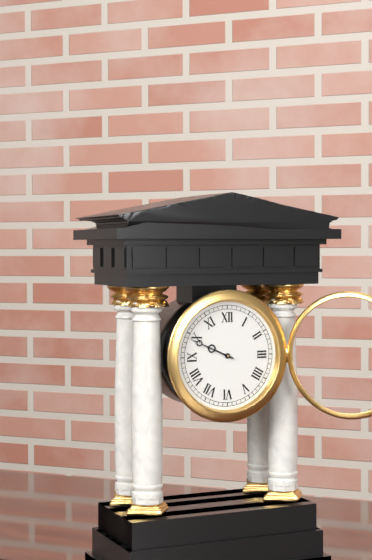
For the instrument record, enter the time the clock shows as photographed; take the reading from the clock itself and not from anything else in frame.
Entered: 9:49
